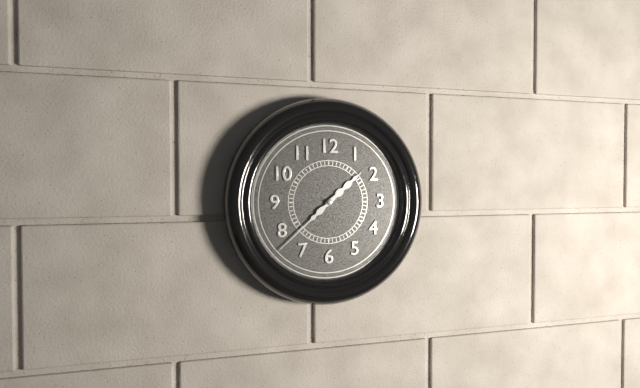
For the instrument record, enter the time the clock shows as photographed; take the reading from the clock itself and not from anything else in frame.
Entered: 1:38
